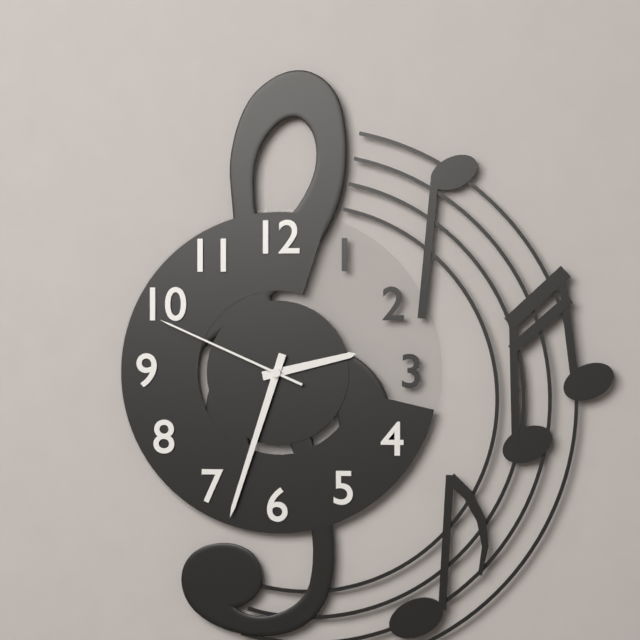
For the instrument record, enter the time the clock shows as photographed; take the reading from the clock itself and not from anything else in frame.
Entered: 2:33:49
